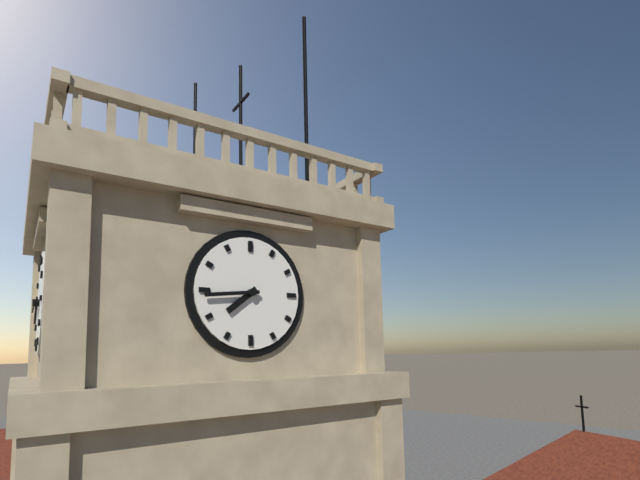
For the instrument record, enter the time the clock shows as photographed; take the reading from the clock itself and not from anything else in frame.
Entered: 7:44
